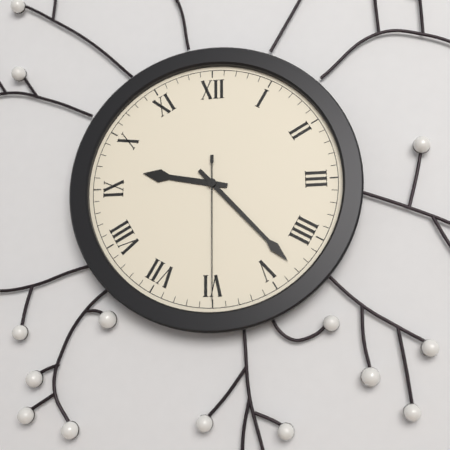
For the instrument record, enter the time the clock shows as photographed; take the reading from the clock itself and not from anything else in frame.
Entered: 9:23:30
